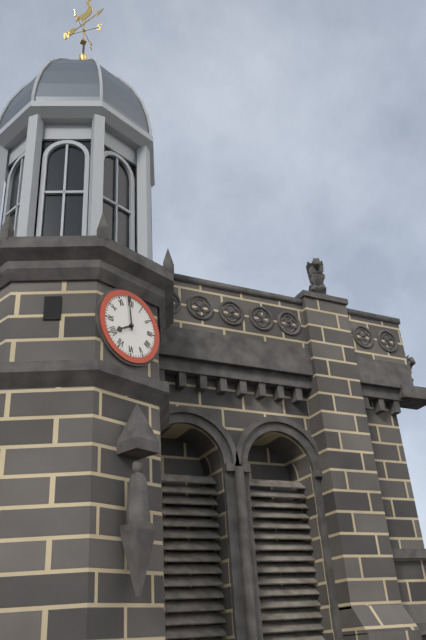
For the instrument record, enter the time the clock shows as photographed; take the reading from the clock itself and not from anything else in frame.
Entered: 7:59
